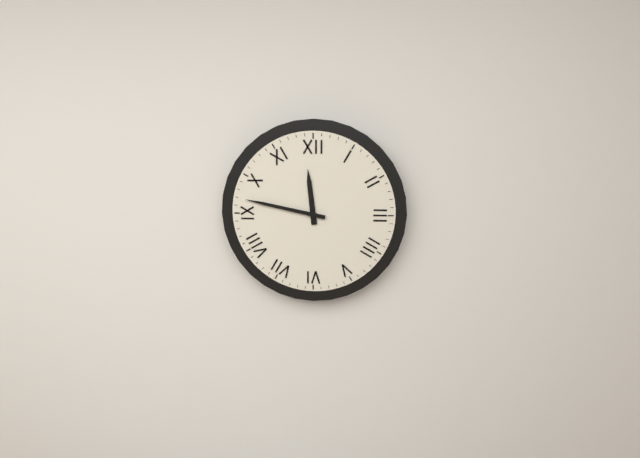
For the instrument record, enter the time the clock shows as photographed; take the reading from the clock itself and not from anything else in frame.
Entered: 11:47
